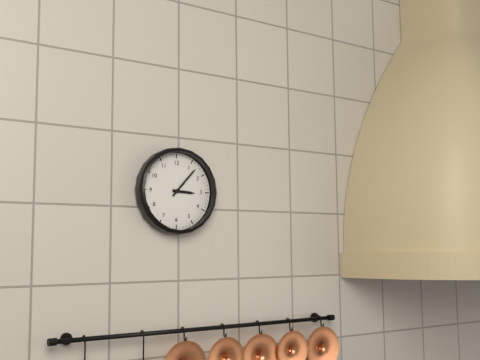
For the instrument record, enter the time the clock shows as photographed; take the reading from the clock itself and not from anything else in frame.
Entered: 3:07
